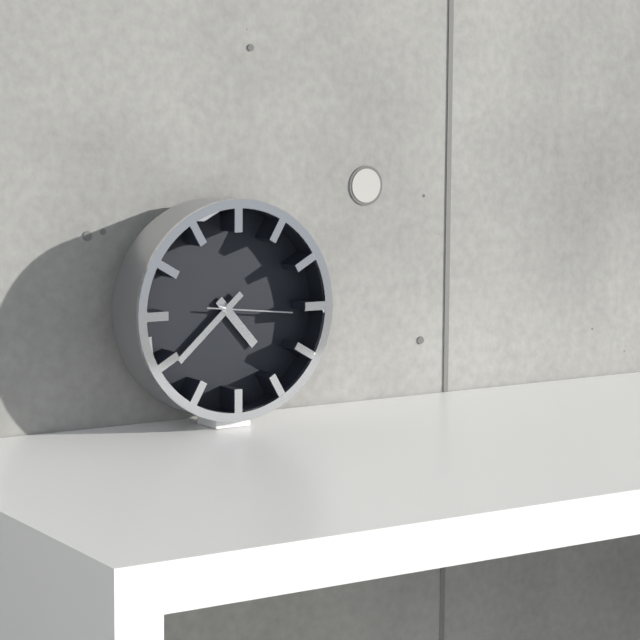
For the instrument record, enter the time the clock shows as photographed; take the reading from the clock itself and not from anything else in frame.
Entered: 4:38:16
